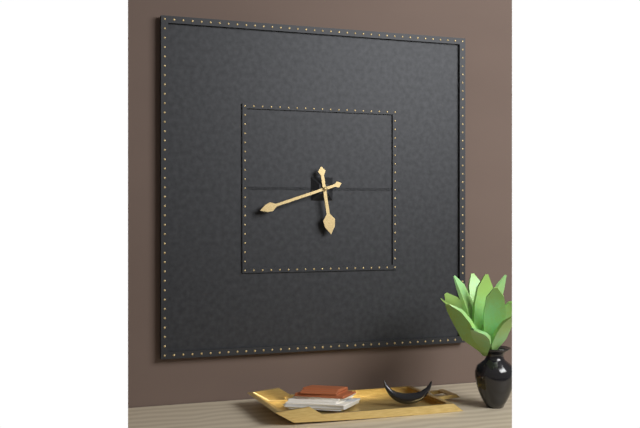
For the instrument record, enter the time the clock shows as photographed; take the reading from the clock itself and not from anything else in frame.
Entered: 5:42
